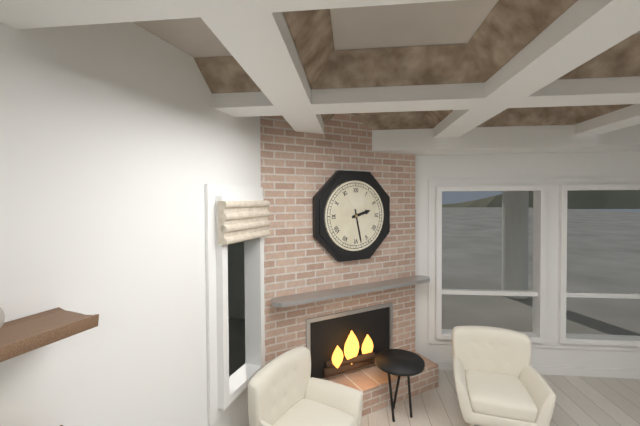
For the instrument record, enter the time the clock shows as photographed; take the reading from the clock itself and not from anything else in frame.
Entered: 2:28
